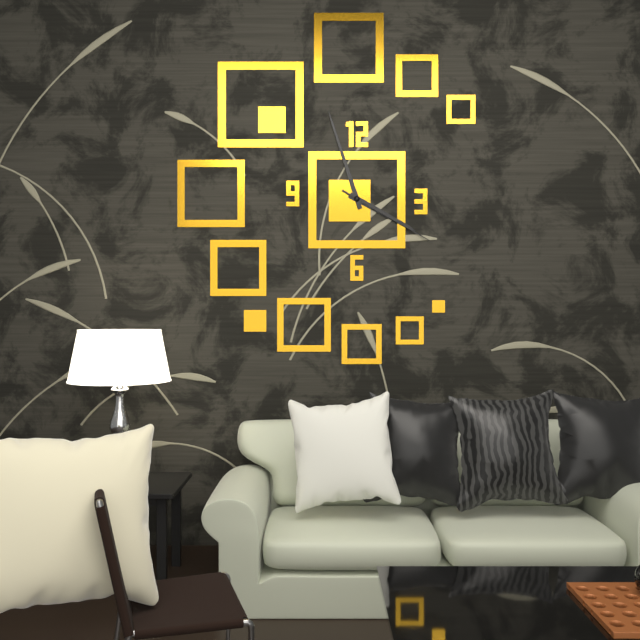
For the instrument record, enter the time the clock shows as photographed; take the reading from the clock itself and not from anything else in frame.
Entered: 3:57:20
